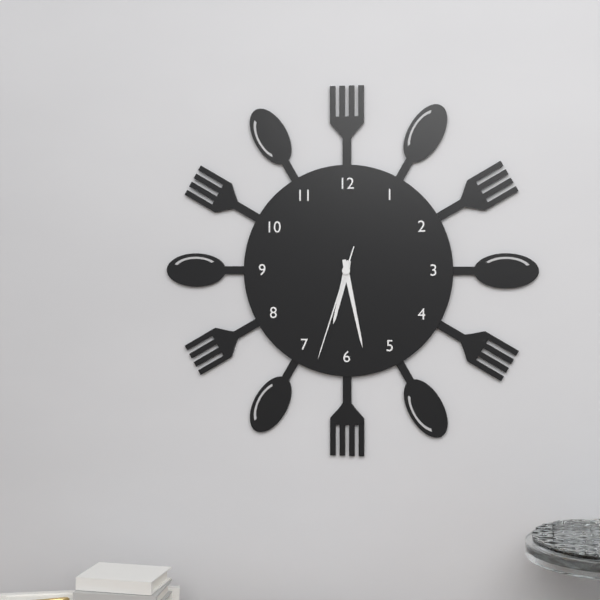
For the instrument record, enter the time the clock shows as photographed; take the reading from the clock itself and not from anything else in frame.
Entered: 6:28:33
